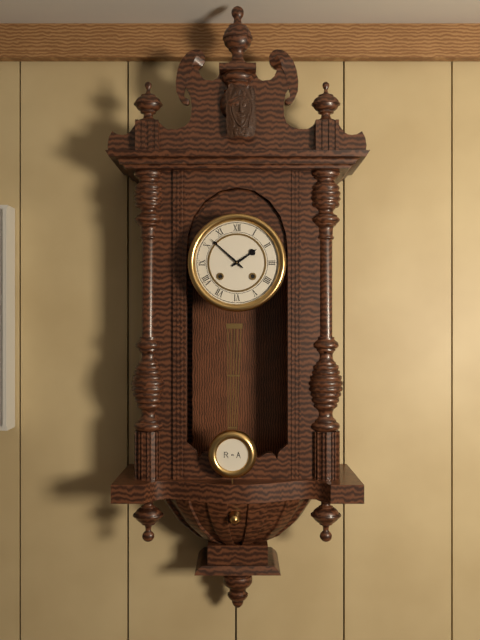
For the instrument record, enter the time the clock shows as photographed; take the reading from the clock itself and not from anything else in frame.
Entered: 1:52
